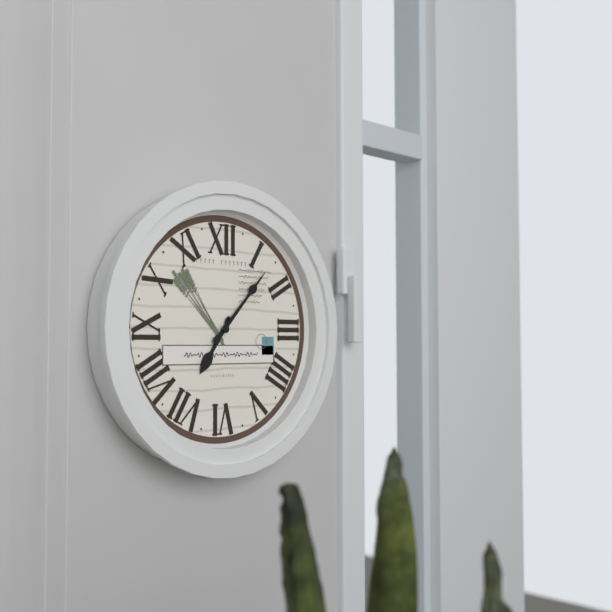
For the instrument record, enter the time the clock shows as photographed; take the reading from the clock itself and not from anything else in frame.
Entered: 7:07
